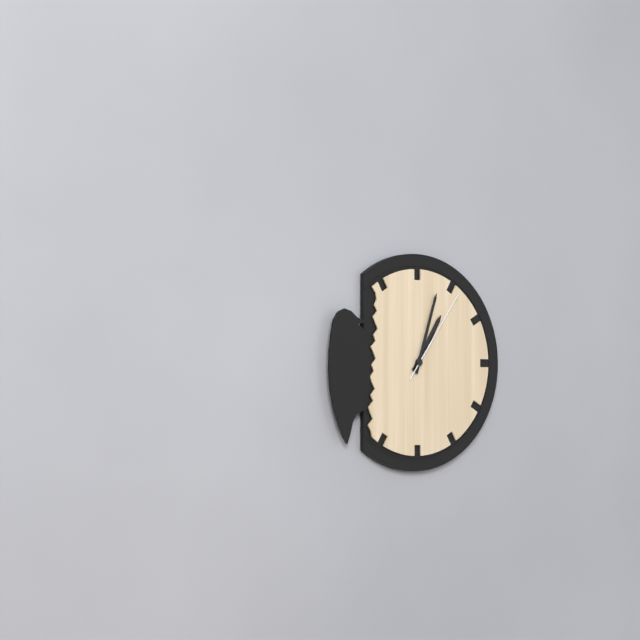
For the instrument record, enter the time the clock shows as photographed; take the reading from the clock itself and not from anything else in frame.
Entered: 1:03:06
